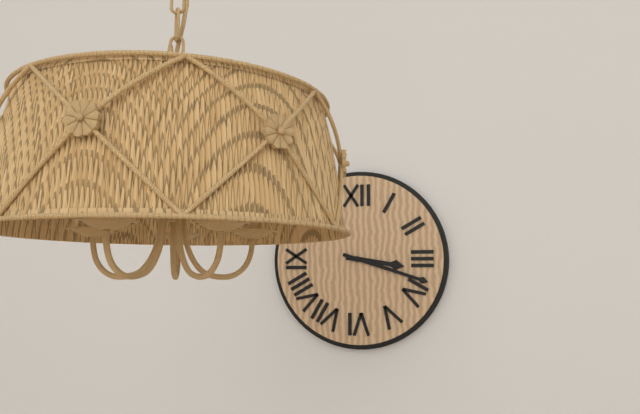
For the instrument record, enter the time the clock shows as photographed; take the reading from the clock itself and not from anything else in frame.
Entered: 3:18
